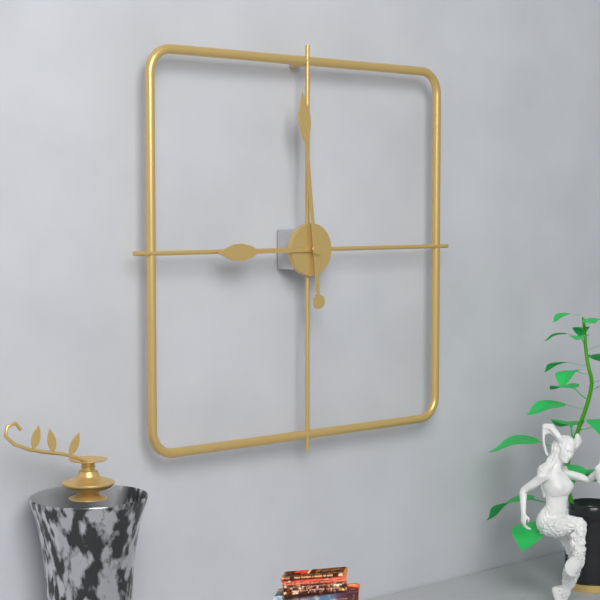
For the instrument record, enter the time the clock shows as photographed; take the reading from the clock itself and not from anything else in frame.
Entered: 8:59
